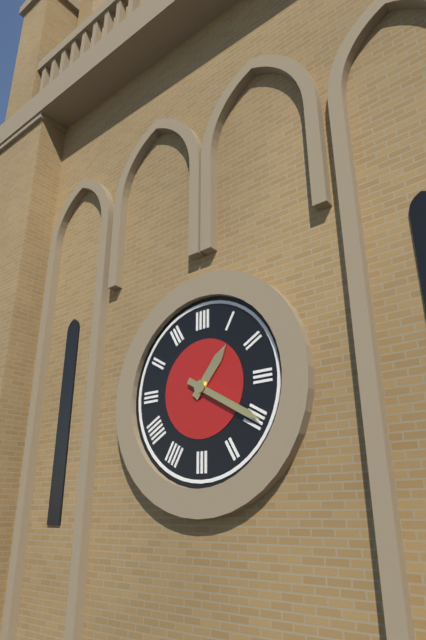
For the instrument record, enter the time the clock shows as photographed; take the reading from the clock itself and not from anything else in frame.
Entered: 1:20
